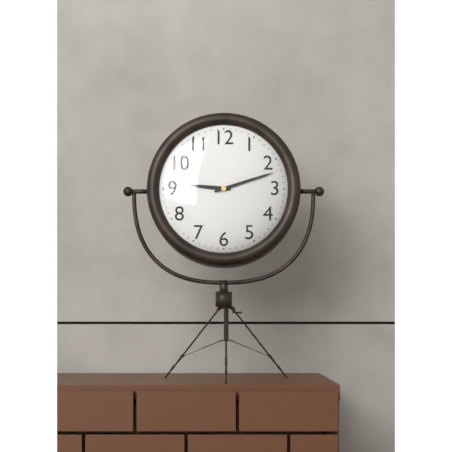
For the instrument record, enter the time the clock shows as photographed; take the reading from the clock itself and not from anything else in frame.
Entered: 9:12
